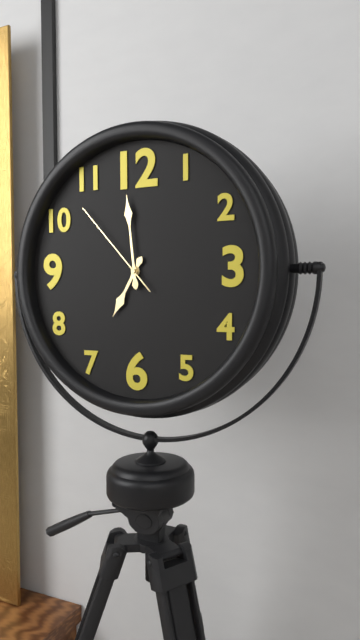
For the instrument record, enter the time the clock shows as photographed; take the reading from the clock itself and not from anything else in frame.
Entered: 6:59:53
